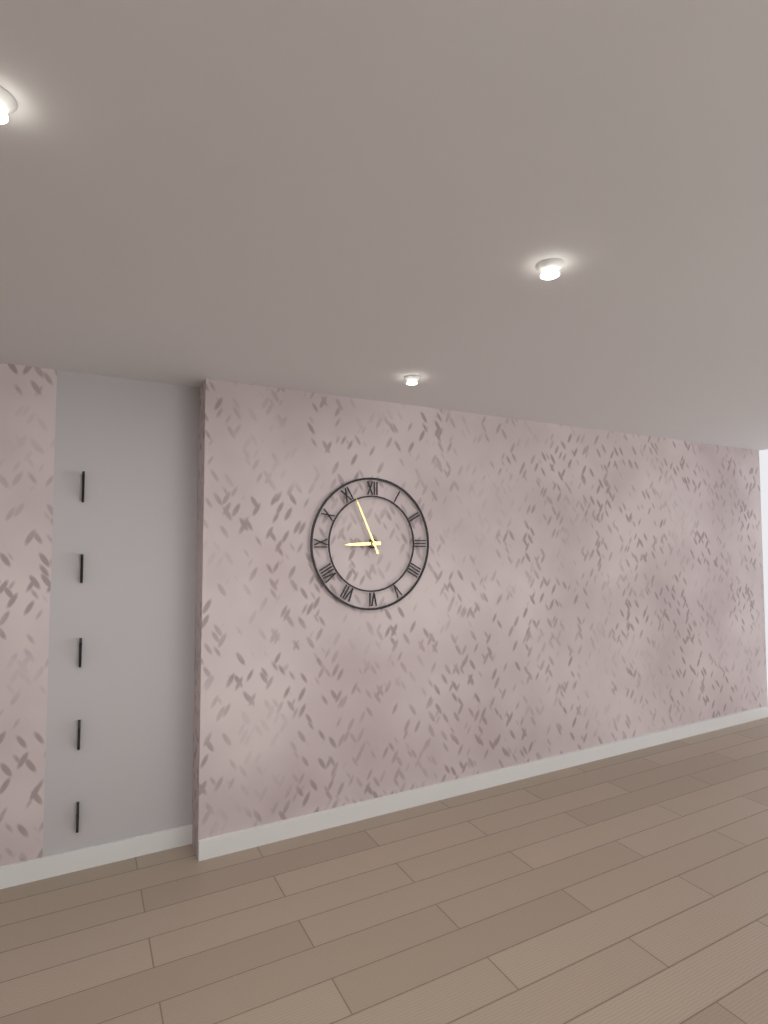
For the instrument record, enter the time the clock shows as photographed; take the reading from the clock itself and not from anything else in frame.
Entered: 8:56
